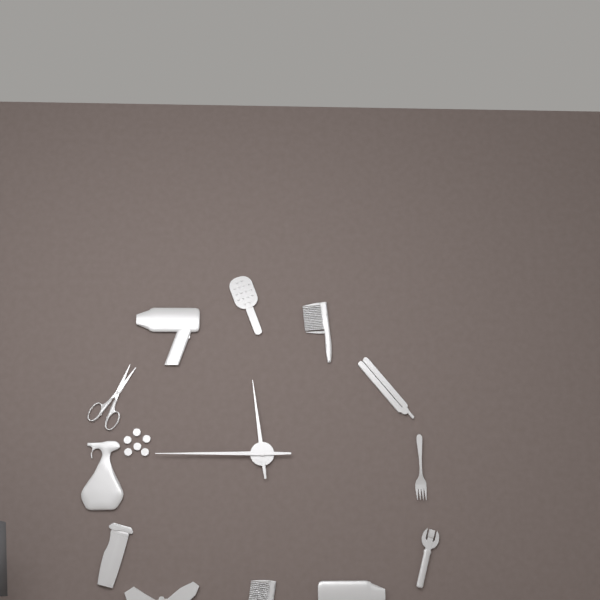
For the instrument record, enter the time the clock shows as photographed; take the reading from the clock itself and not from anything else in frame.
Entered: 11:45
